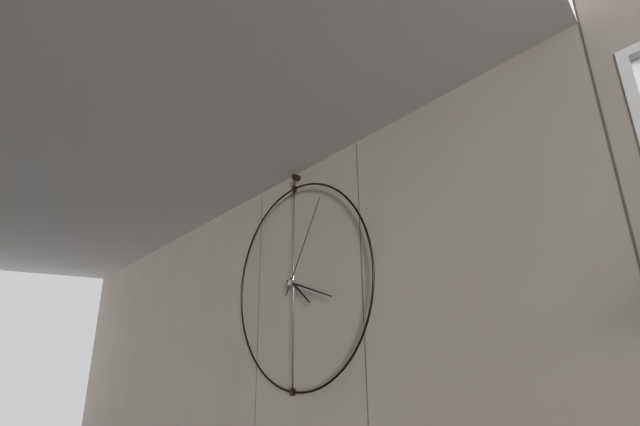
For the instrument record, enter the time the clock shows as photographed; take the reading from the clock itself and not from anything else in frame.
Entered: 4:18:05
